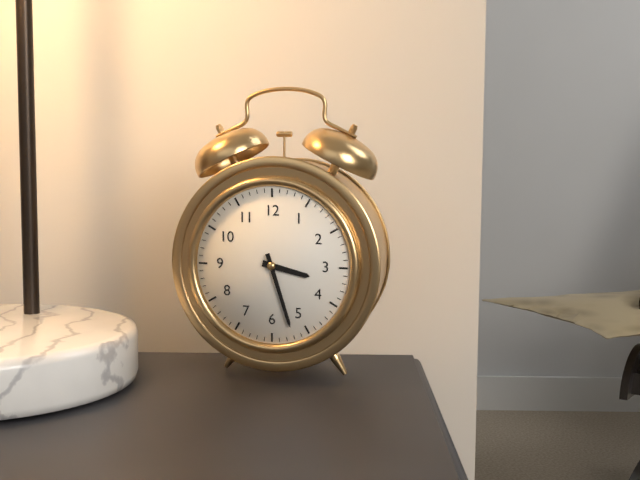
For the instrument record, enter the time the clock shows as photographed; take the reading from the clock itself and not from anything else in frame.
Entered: 3:27
